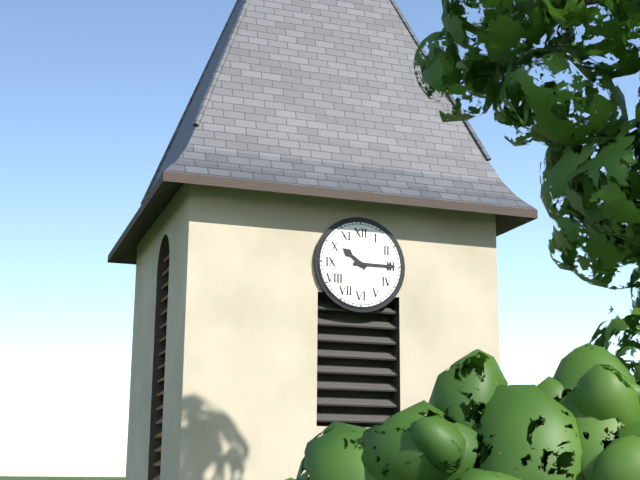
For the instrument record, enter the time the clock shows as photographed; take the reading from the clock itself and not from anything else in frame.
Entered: 10:15
